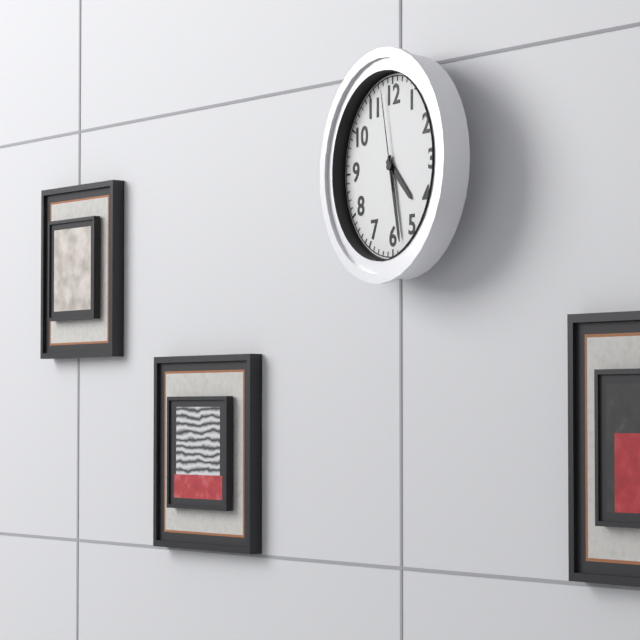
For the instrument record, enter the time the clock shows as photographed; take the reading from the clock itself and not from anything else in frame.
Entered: 4:28:58
